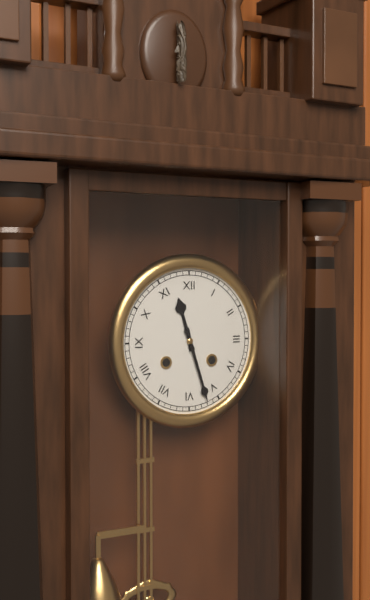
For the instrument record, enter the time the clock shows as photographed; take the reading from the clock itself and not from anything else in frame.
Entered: 11:27
